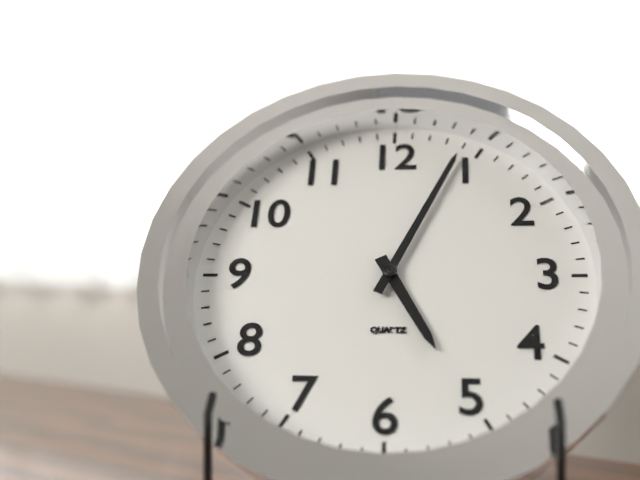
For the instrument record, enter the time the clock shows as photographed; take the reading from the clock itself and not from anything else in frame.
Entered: 5:04
